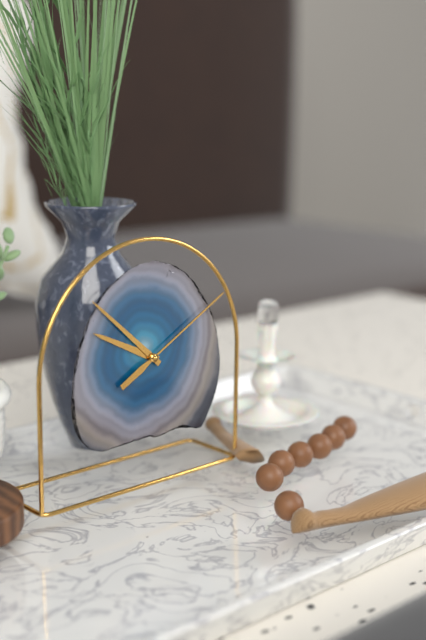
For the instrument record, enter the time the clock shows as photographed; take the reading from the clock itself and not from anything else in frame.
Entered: 9:52:10
